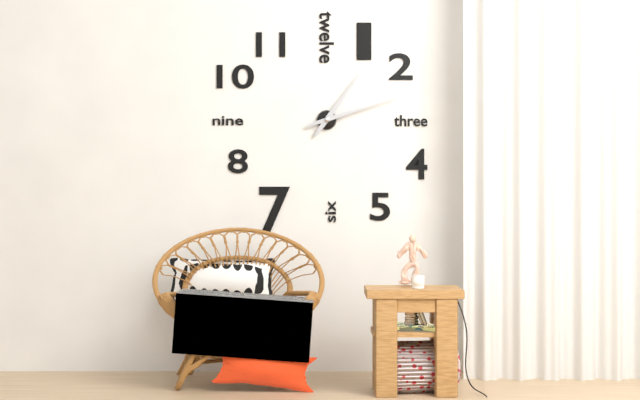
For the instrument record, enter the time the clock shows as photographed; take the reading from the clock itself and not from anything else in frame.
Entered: 1:12
